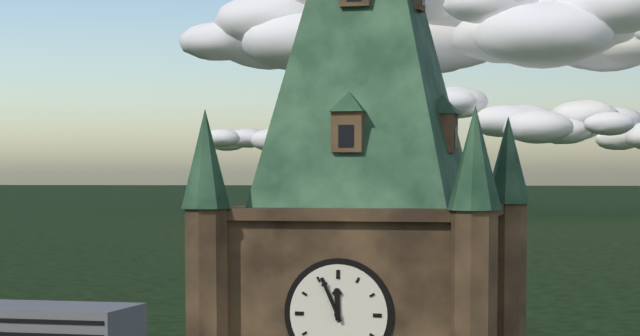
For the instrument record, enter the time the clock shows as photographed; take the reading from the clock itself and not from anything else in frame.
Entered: 11:56
